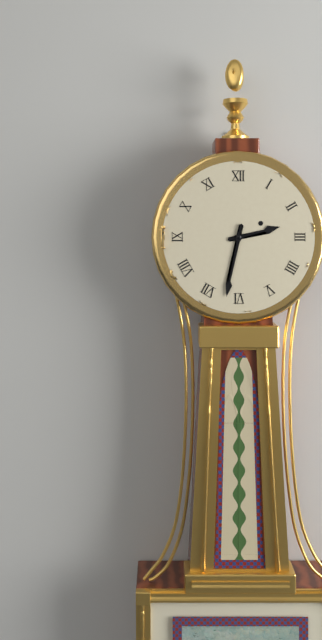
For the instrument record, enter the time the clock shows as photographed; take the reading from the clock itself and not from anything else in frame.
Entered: 2:32
